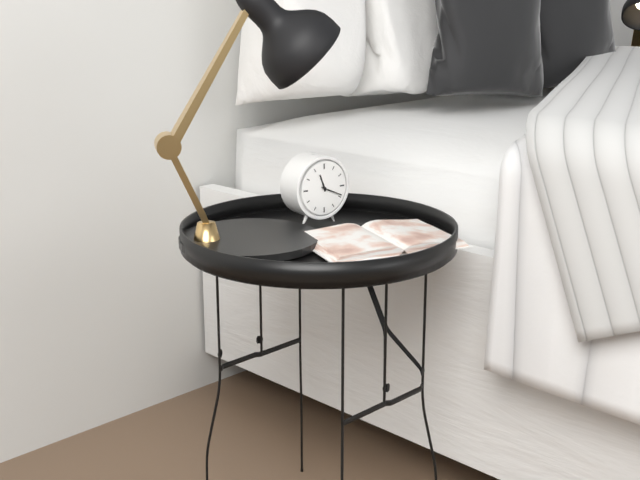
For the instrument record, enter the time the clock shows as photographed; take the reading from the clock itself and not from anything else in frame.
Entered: 11:19
